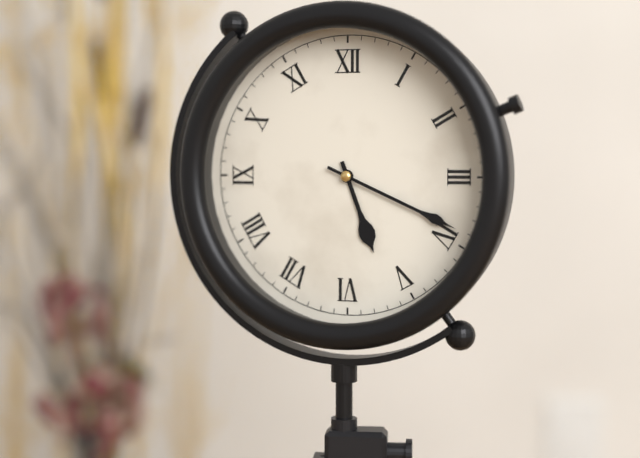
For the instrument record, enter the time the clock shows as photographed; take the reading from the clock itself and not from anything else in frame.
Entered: 5:19
